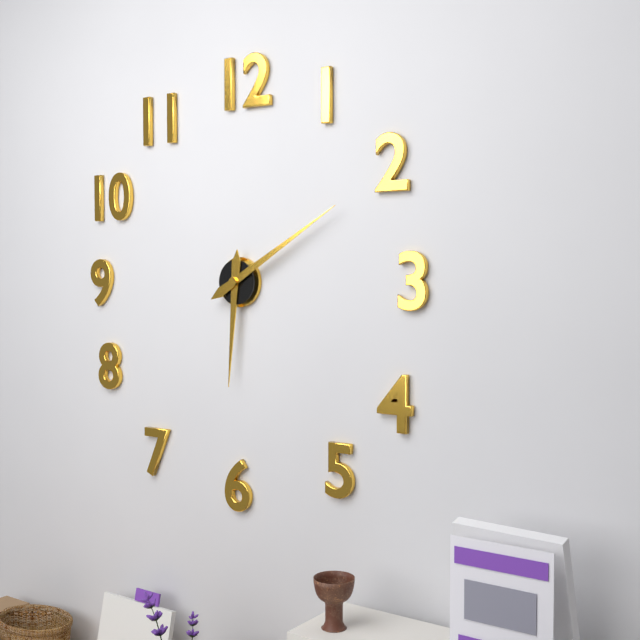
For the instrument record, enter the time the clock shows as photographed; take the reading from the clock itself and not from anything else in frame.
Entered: 6:10
